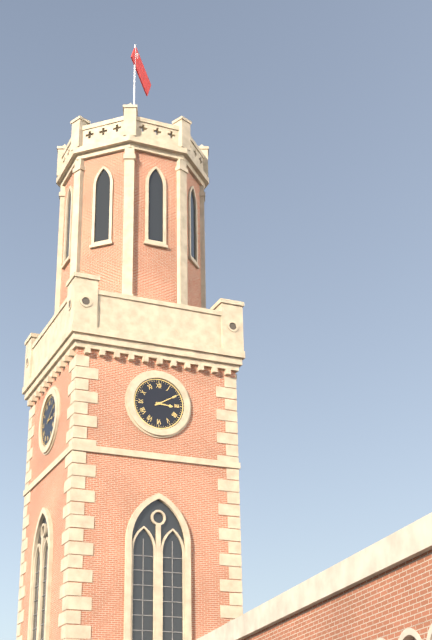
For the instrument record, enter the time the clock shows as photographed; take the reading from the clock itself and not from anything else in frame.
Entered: 3:10
